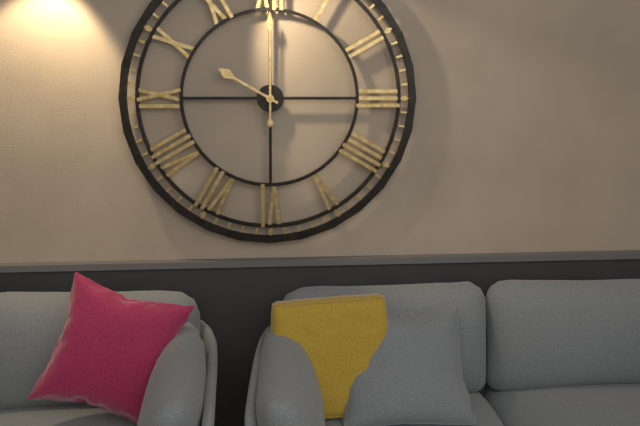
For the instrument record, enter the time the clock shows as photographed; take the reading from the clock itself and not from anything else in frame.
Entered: 10:00
